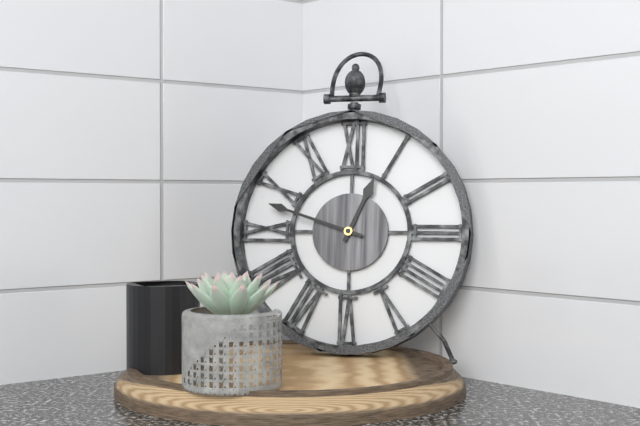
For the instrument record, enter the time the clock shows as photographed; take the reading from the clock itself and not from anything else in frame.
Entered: 12:48
